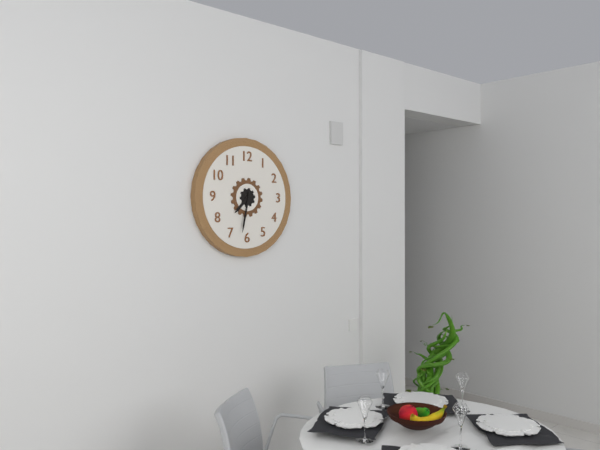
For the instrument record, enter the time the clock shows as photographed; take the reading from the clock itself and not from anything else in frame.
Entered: 7:32
